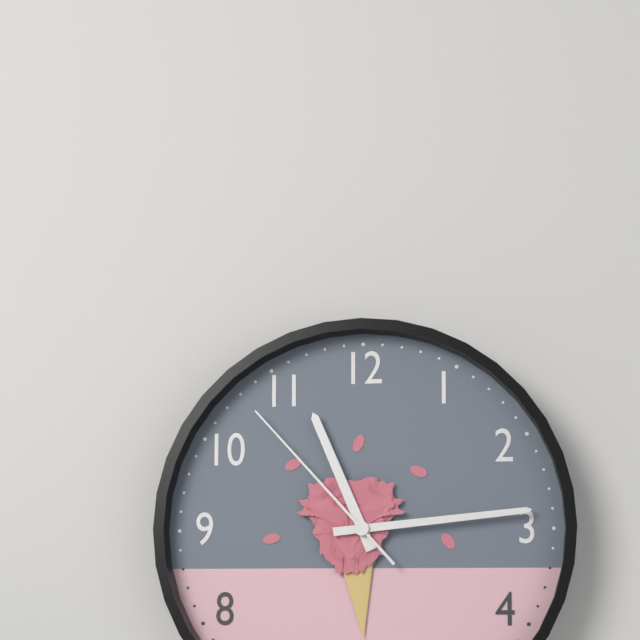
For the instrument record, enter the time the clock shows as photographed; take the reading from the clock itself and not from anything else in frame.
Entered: 11:14:53
